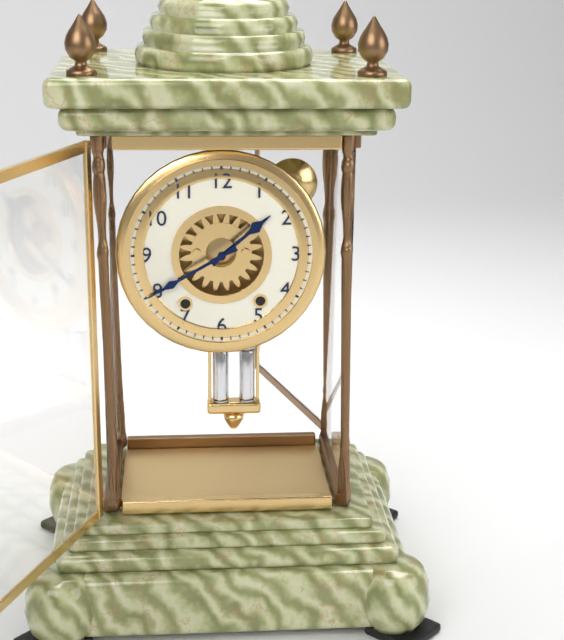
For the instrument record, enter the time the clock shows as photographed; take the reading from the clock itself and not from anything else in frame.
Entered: 1:40
